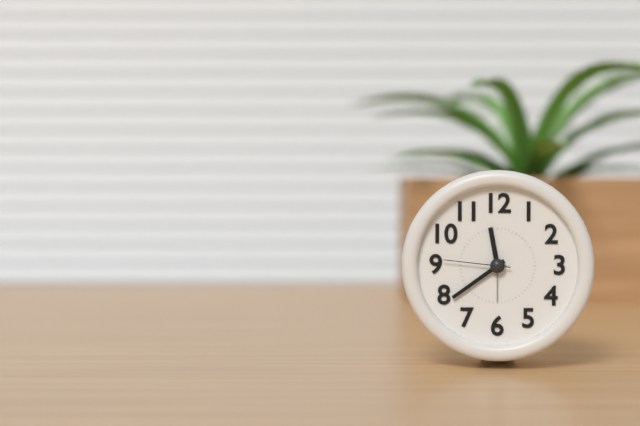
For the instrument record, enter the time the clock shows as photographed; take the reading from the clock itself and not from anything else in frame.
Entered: 11:39:46
